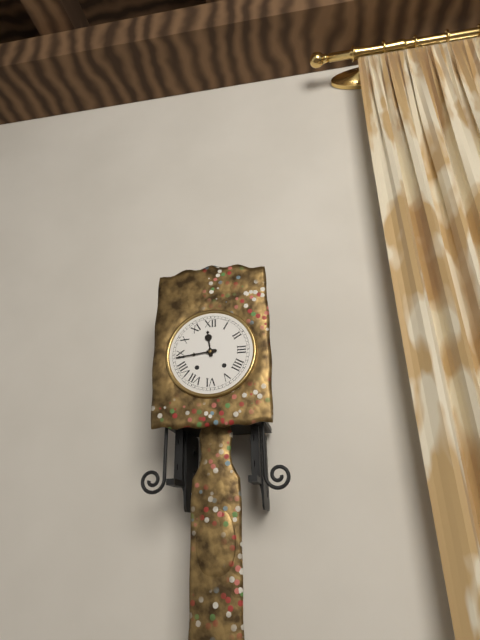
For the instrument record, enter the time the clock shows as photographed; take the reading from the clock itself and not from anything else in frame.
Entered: 11:44
